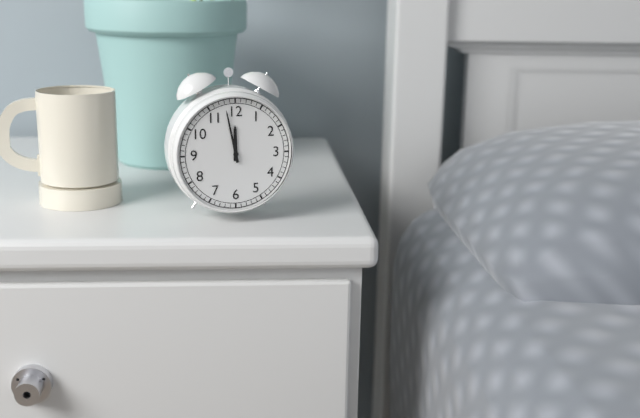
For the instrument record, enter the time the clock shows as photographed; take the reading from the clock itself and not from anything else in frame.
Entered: 11:58
